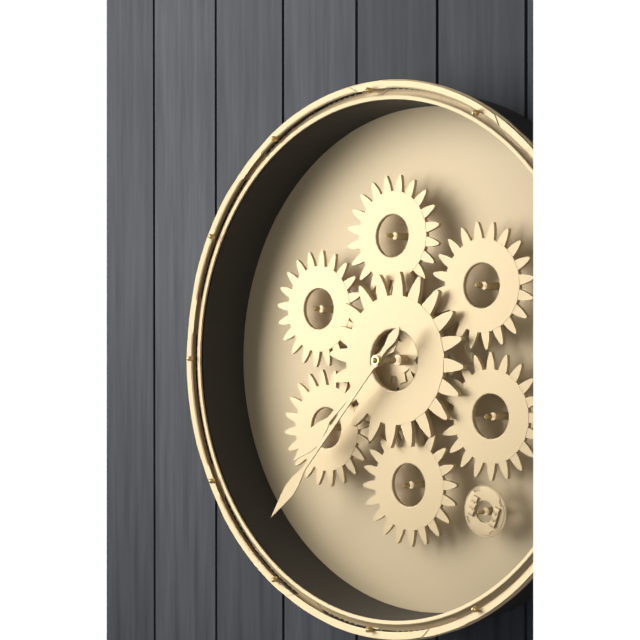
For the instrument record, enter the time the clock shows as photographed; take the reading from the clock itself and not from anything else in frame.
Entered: 7:37
